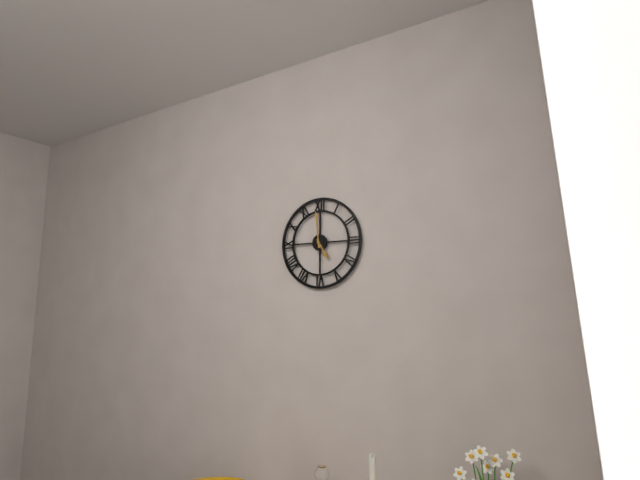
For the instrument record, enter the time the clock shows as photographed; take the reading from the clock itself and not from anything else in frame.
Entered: 4:59
